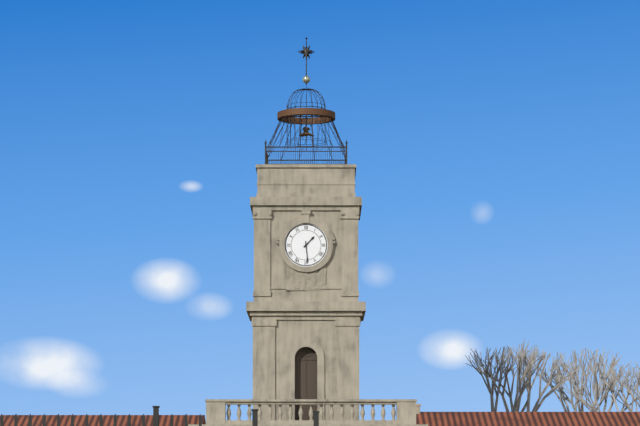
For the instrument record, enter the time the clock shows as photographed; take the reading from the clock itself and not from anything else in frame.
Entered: 1:29
